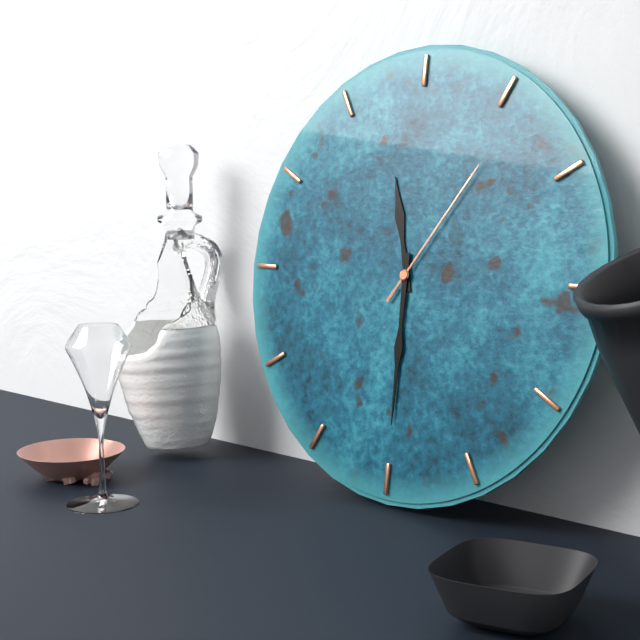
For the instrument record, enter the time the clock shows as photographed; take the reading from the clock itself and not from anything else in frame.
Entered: 11:30:06
